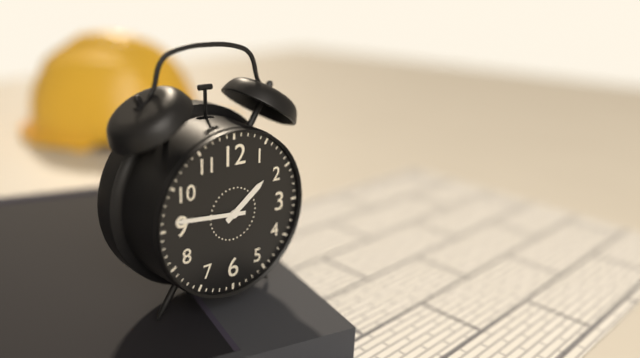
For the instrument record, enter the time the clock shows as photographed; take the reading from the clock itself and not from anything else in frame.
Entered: 1:46
